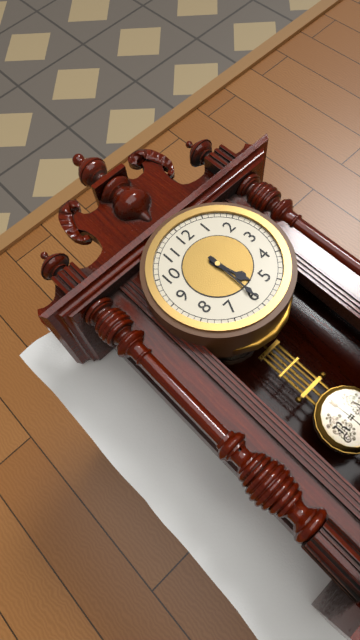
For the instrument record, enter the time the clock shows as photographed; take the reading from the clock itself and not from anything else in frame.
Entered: 5:30
